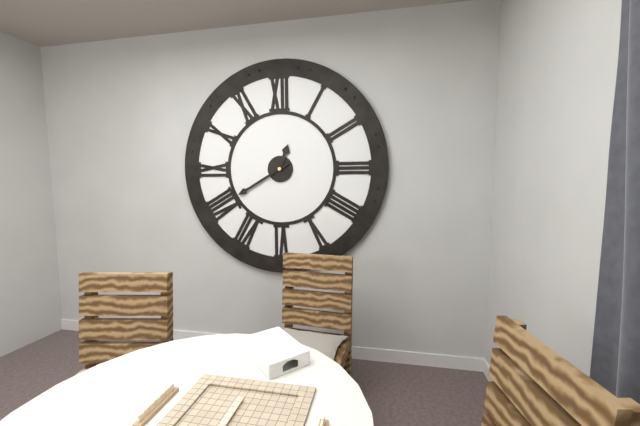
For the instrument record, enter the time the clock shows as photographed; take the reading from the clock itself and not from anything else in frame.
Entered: 12:40
